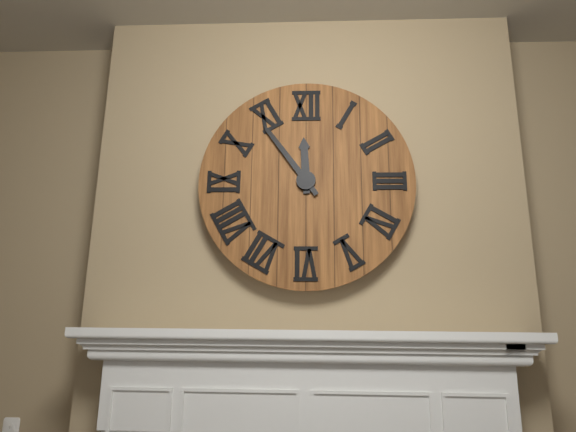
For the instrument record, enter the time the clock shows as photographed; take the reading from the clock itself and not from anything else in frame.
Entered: 11:54
